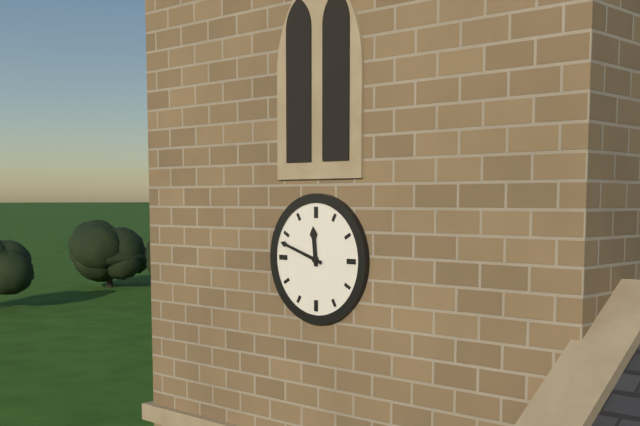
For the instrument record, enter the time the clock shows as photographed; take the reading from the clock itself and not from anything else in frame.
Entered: 11:48
